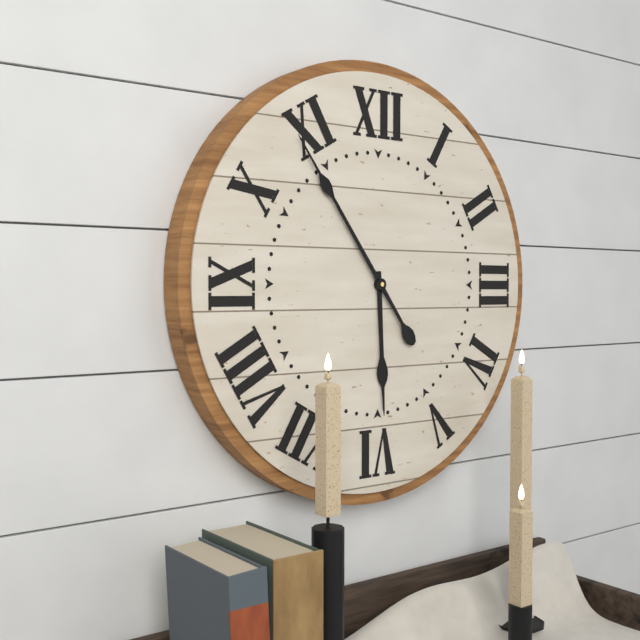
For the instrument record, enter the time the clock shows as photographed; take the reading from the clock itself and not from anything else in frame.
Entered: 5:54
